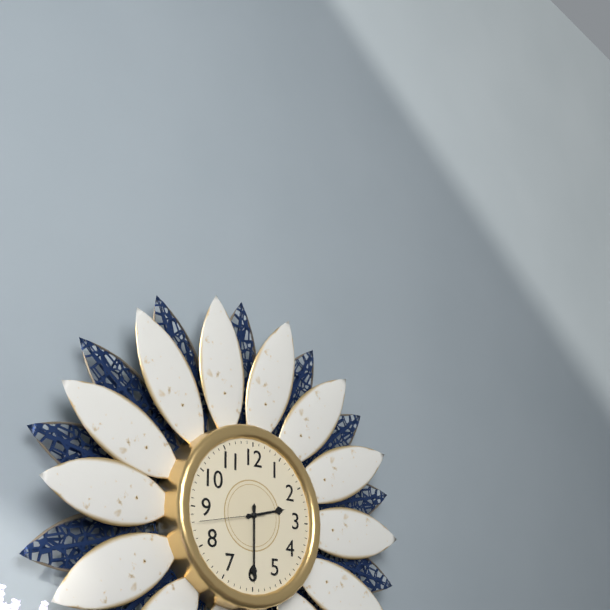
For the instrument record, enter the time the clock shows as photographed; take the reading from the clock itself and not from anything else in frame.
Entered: 2:30:43
